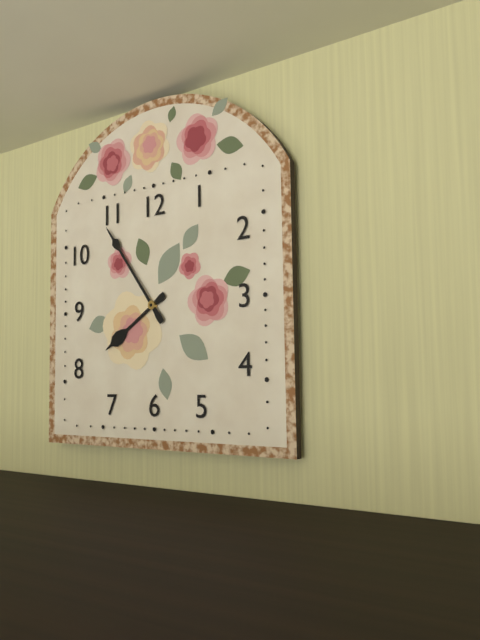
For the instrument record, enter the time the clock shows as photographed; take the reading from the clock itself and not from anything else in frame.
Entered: 7:54
